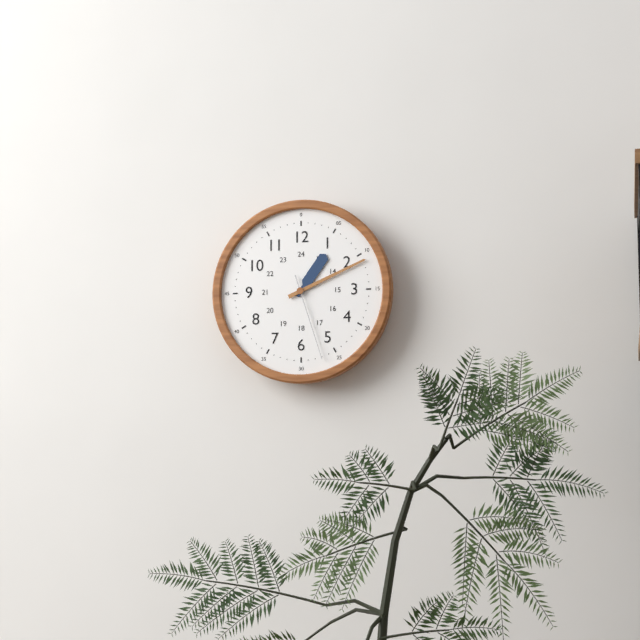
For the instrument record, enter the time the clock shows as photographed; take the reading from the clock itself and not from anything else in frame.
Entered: 1:11:27
